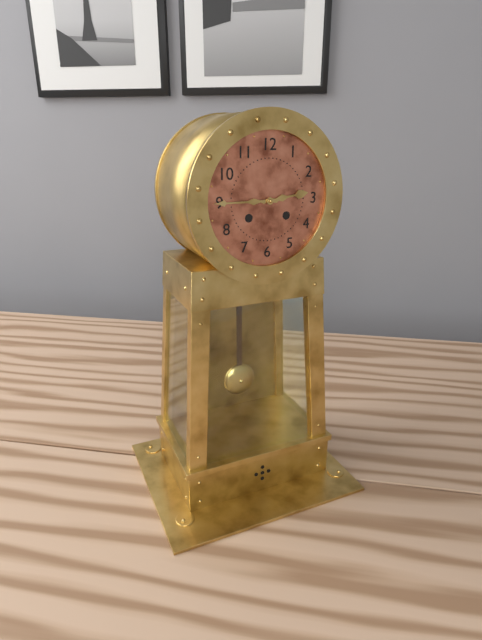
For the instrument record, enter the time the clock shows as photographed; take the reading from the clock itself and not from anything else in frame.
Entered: 2:45
